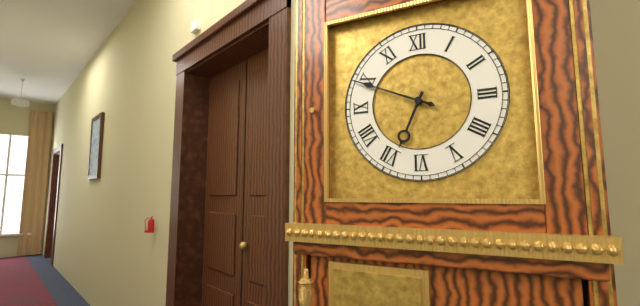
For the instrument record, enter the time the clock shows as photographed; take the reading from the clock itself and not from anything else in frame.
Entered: 6:49
